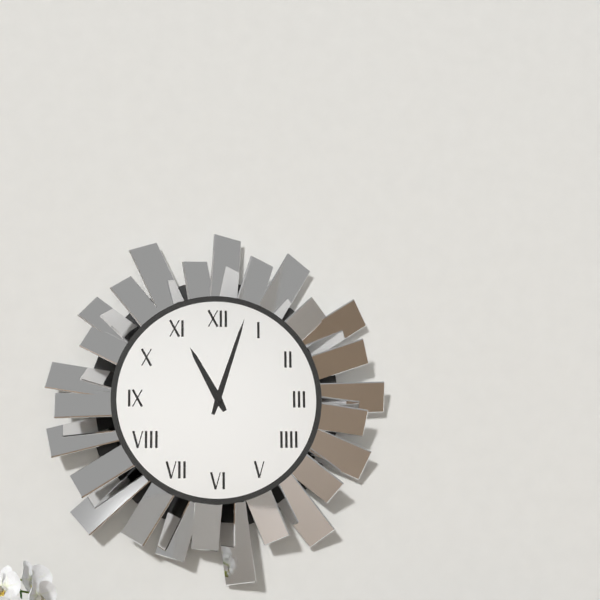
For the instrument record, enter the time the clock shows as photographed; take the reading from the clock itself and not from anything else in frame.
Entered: 11:03
